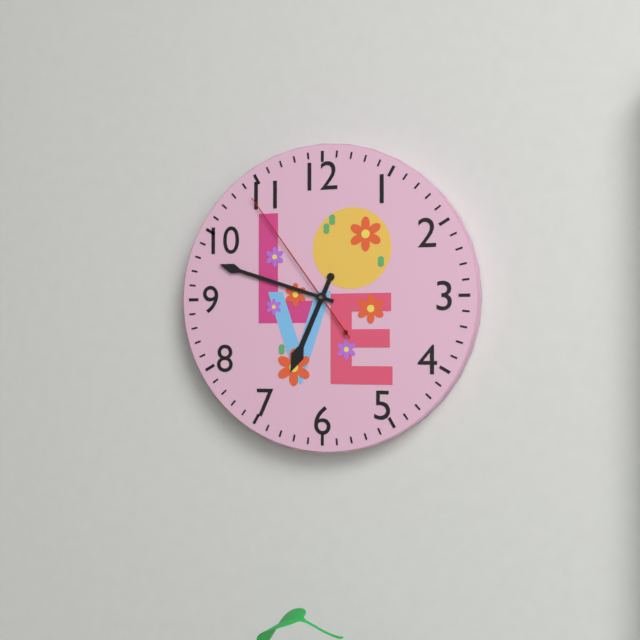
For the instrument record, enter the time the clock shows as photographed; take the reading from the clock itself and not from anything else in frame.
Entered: 6:48:54
